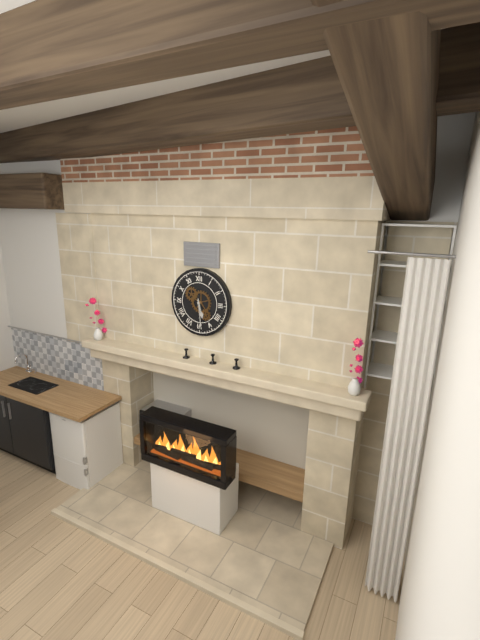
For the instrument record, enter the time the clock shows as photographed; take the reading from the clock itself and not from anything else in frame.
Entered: 5:29
